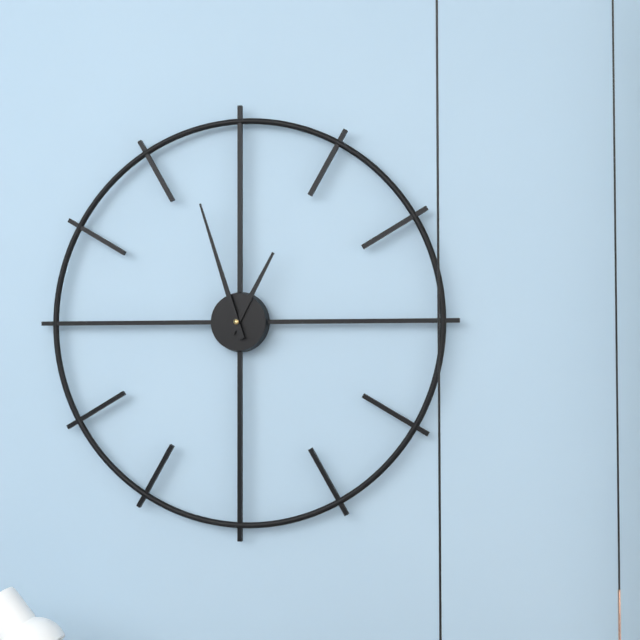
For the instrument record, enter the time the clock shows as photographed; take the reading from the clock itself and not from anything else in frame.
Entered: 12:57
